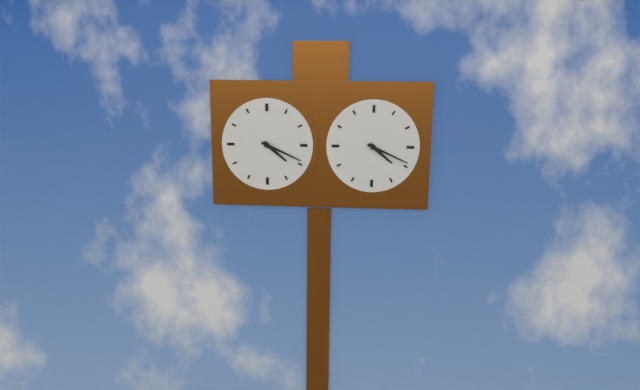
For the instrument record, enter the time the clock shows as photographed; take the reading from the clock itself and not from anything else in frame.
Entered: 4:19
